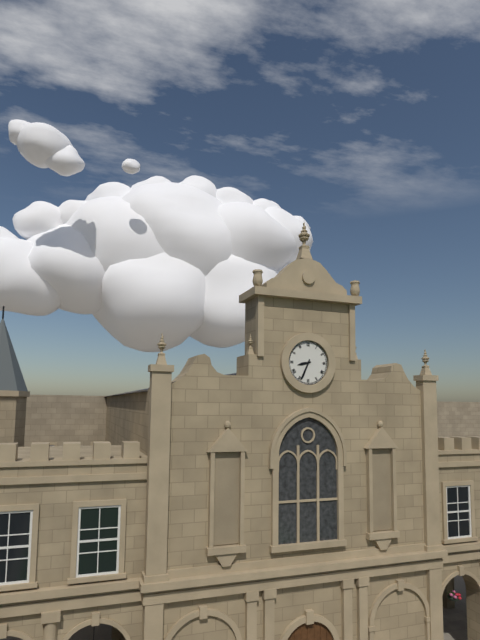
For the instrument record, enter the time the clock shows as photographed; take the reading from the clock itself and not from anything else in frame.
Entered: 8:34
